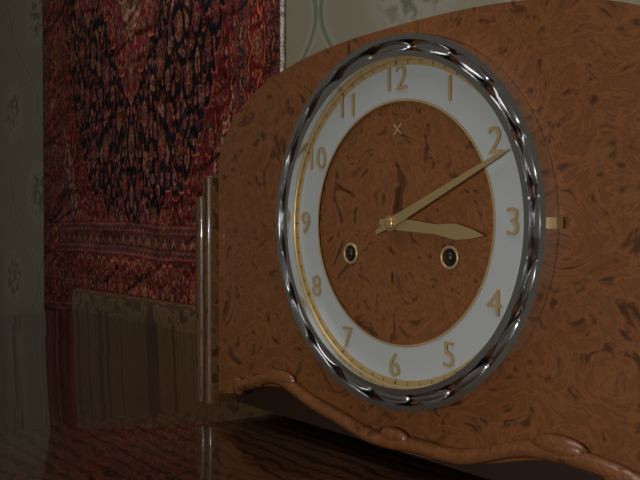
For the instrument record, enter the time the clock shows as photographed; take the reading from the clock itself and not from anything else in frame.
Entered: 3:11
